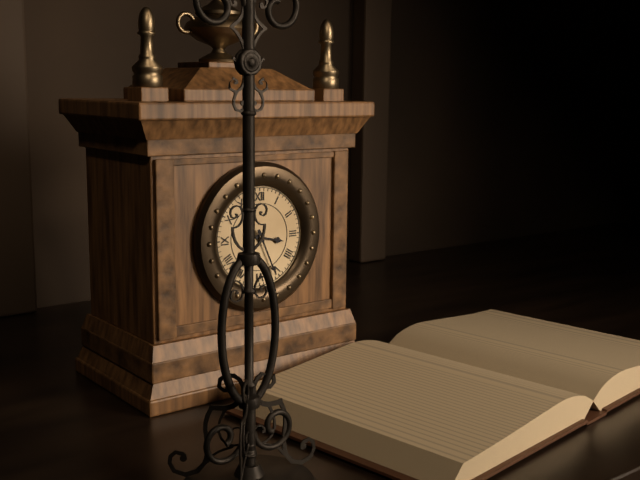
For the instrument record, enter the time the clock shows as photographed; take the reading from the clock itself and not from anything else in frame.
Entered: 3:26
